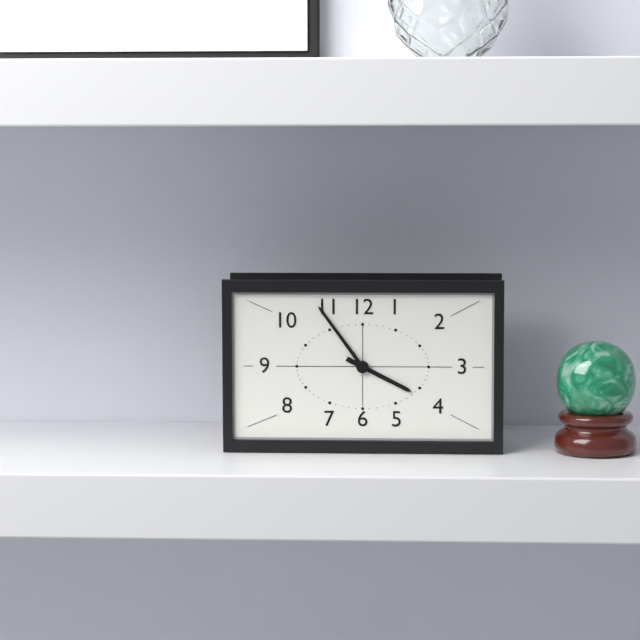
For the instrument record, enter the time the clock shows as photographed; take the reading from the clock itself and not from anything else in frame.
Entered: 3:54
